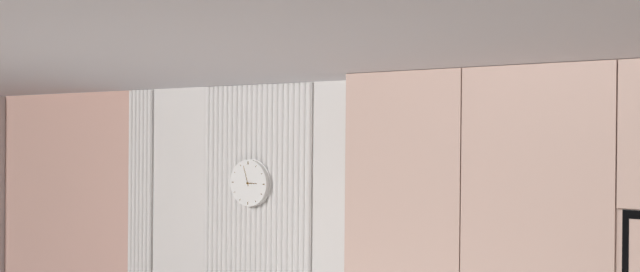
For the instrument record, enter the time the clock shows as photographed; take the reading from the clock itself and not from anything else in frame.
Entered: 2:57
